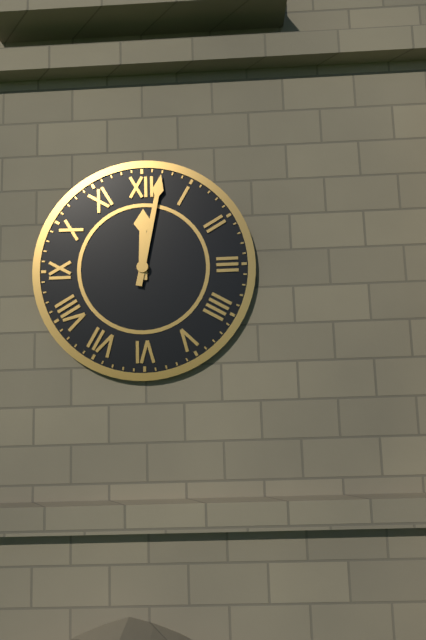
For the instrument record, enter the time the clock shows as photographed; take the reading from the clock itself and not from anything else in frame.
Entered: 12:02
